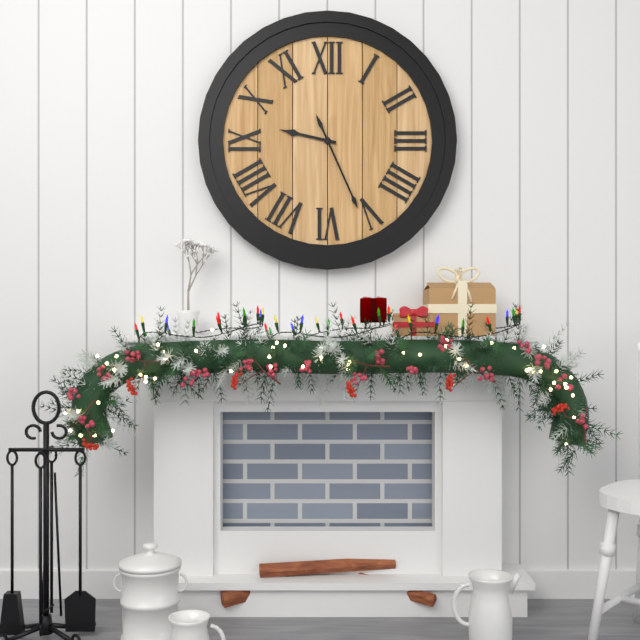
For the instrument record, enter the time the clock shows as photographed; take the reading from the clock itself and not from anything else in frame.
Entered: 9:26
